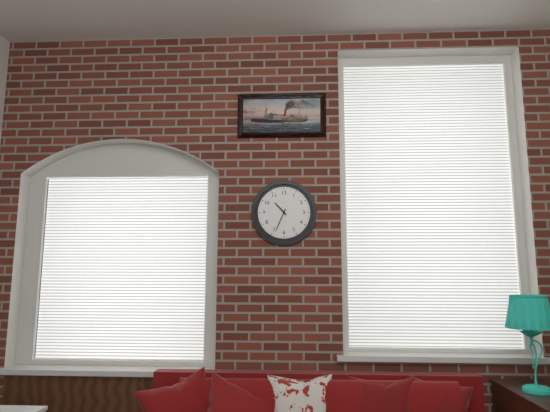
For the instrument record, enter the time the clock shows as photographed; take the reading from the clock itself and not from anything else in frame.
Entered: 10:34
